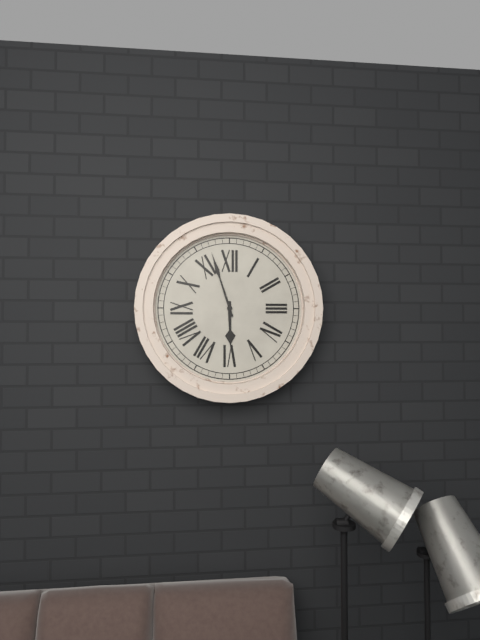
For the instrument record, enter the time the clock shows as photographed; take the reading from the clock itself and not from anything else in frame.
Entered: 5:57
